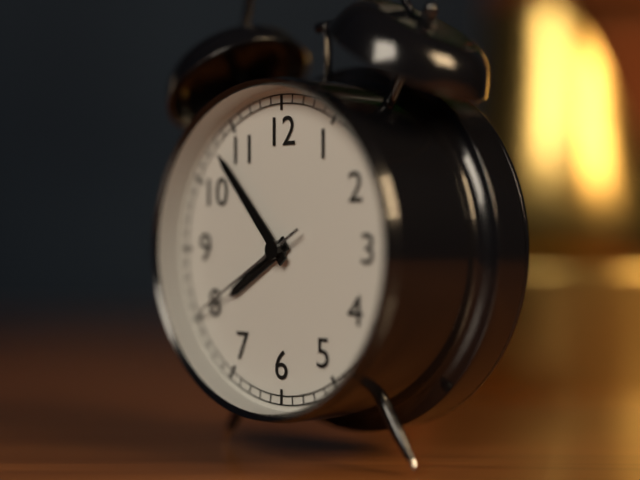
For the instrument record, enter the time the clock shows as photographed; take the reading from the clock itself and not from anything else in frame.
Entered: 7:53:40
